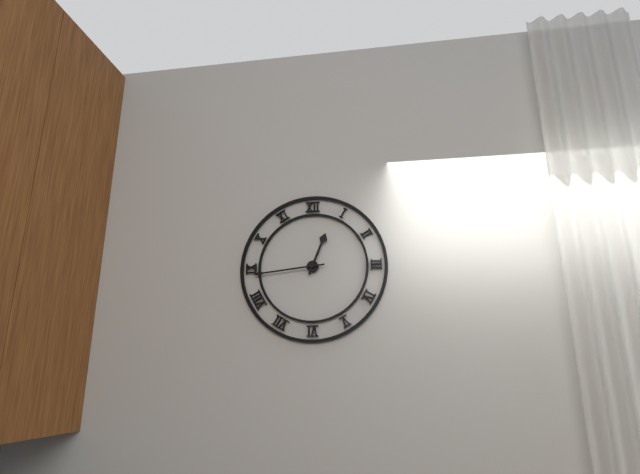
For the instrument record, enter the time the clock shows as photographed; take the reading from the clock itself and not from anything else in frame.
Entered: 12:44
